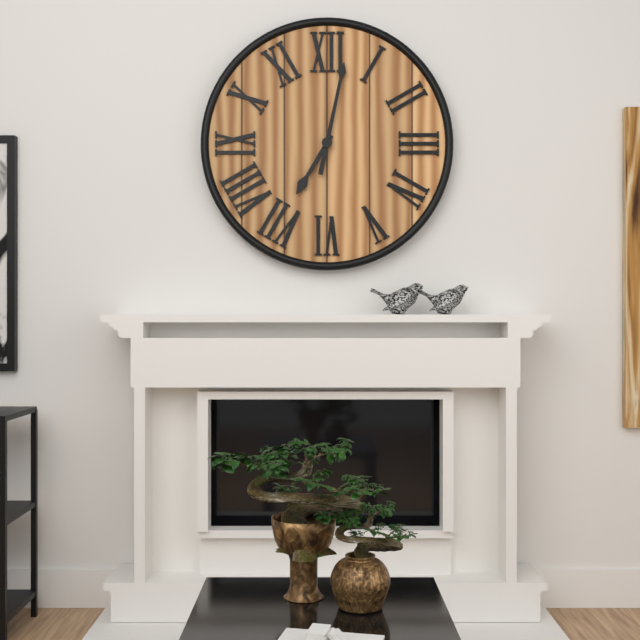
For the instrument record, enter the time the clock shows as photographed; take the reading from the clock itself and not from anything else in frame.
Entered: 7:02
